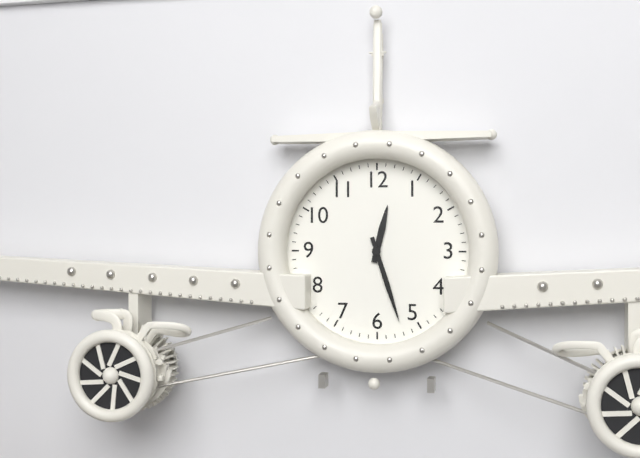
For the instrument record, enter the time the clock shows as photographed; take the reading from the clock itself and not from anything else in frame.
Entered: 12:27
